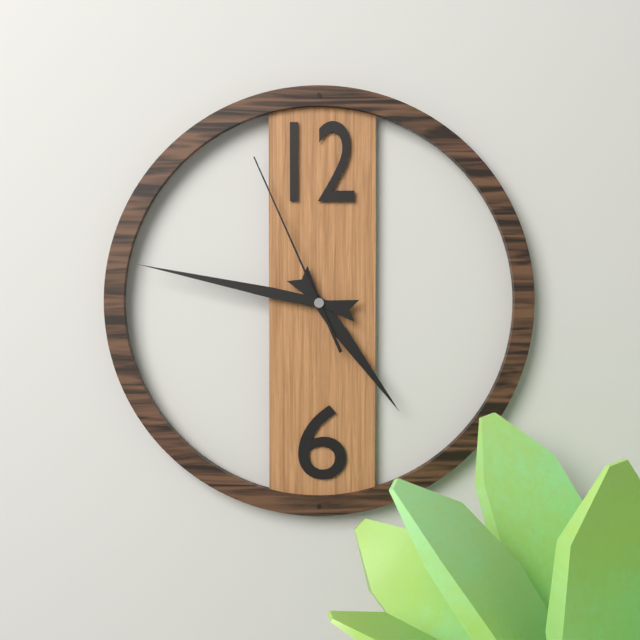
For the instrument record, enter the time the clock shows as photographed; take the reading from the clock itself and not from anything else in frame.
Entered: 4:47:56
